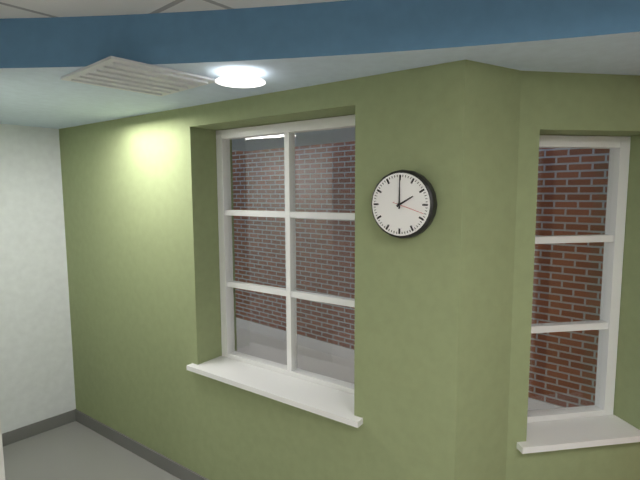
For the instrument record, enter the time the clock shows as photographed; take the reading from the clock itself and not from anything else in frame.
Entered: 2:00
